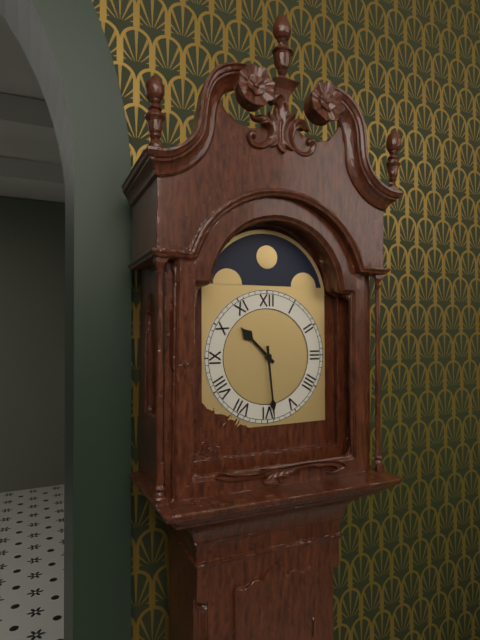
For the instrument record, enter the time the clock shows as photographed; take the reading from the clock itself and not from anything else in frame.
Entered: 10:29
